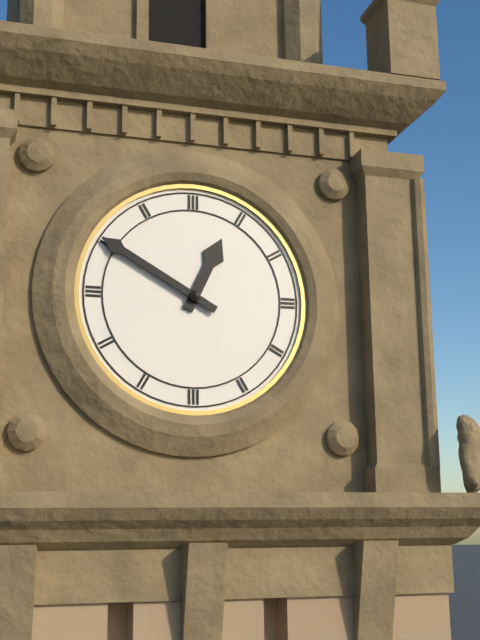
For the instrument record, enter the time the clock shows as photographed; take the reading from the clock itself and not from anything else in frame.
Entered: 12:50
